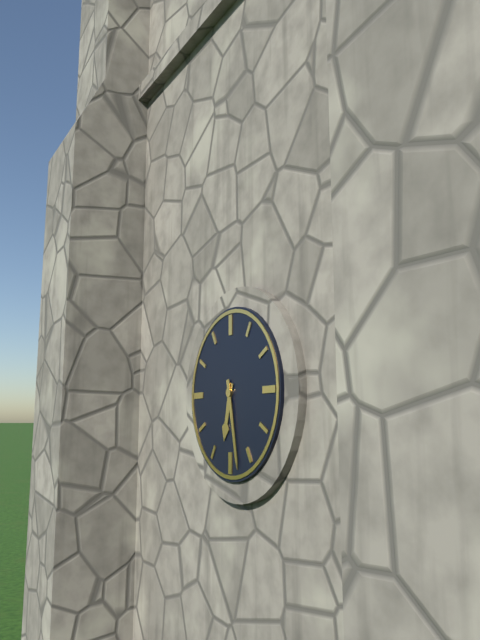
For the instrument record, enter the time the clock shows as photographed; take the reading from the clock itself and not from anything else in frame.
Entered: 6:28
